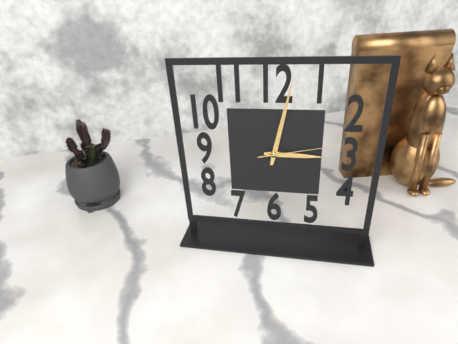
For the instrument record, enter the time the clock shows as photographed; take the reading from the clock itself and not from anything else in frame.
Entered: 3:02:13
